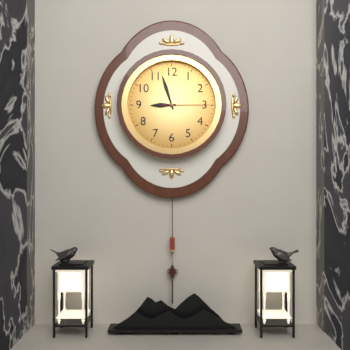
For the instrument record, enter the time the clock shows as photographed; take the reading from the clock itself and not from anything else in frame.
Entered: 8:57
